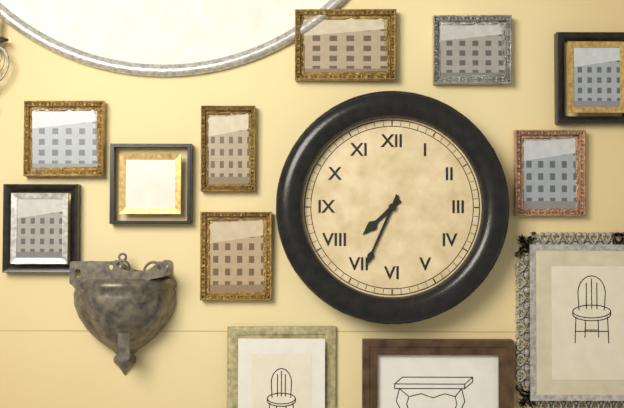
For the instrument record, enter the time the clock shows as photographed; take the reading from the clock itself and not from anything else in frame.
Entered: 7:34
